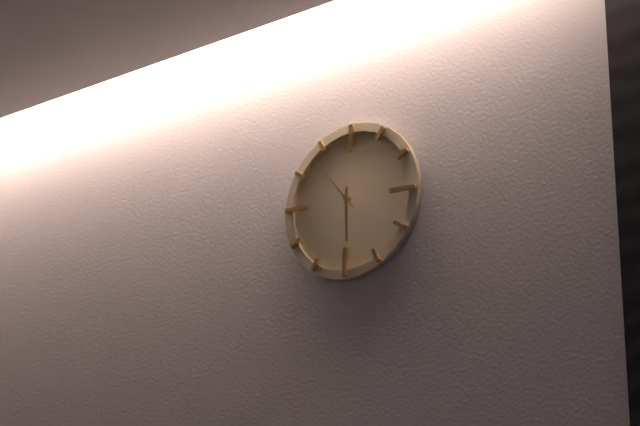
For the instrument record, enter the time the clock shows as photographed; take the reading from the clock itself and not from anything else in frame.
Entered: 5:53
